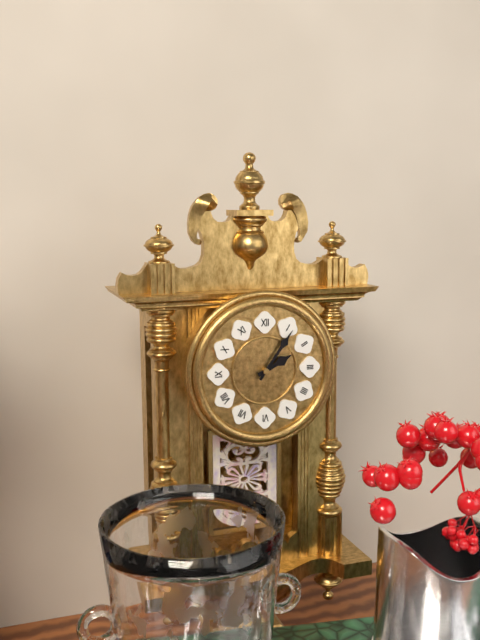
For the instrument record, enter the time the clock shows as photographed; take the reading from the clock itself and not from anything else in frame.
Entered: 2:06
